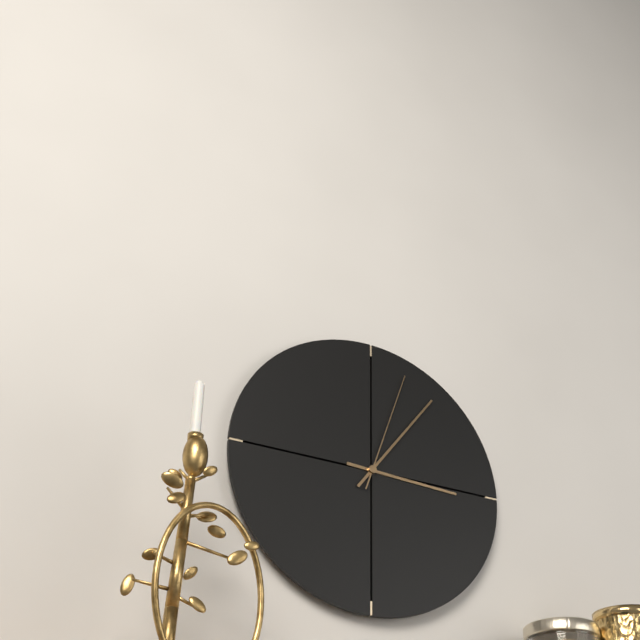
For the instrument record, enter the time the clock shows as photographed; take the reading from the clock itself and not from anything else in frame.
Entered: 3:06:03
